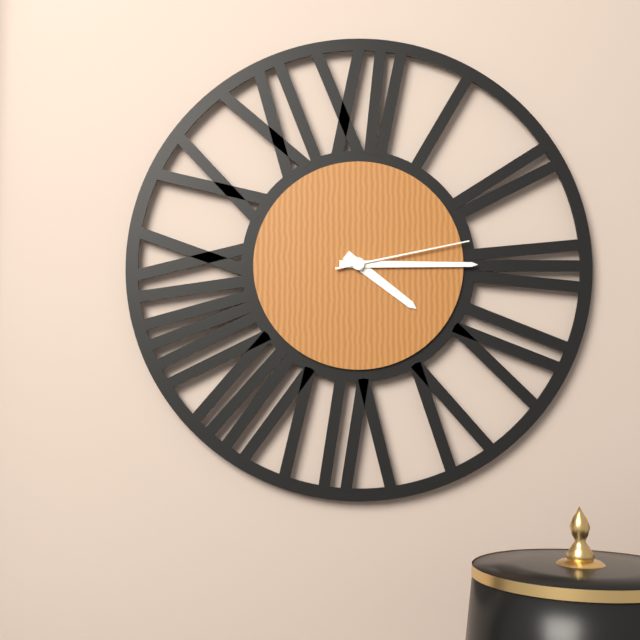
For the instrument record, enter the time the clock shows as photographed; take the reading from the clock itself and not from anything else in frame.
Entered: 4:15:13
